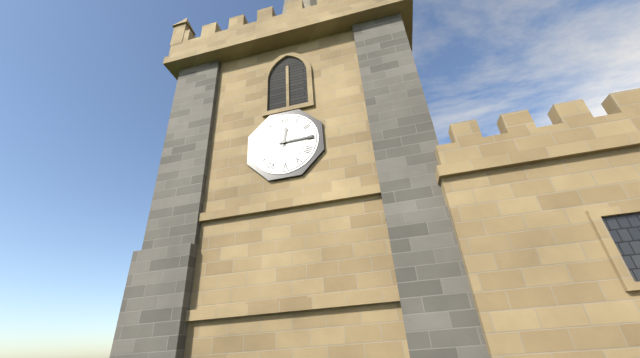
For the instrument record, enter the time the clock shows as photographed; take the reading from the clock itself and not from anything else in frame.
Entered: 12:15
